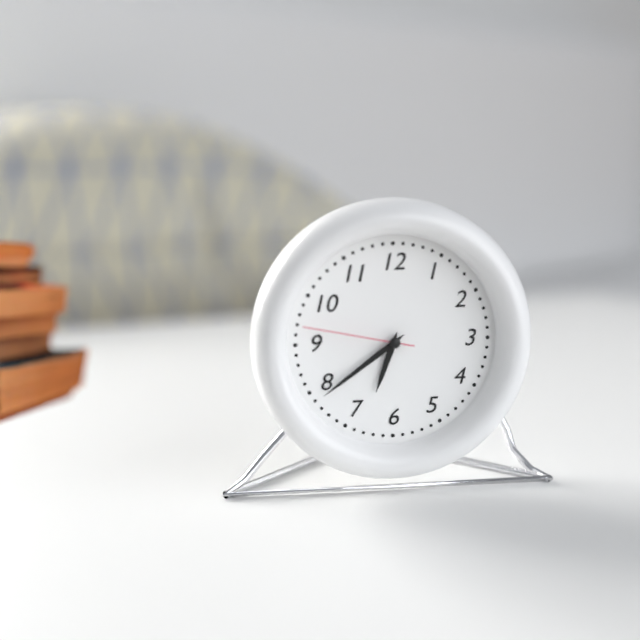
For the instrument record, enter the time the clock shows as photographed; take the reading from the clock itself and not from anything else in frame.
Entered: 6:39:47
